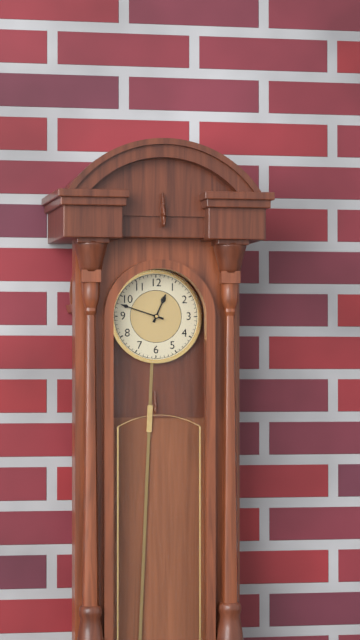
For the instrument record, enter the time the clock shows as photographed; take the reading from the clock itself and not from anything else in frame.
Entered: 12:48
